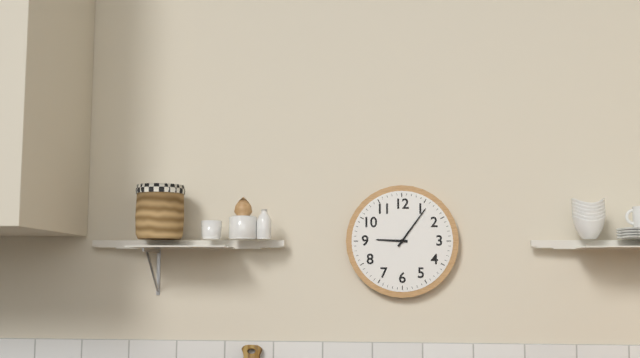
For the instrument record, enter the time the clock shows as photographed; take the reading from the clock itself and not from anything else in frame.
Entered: 9:06
